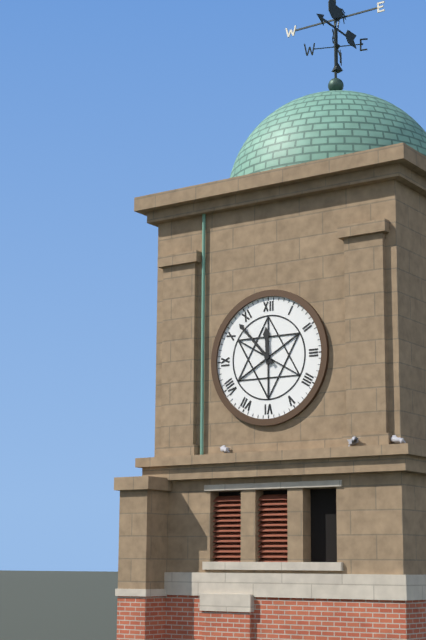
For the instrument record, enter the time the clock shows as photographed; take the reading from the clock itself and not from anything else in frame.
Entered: 11:53
